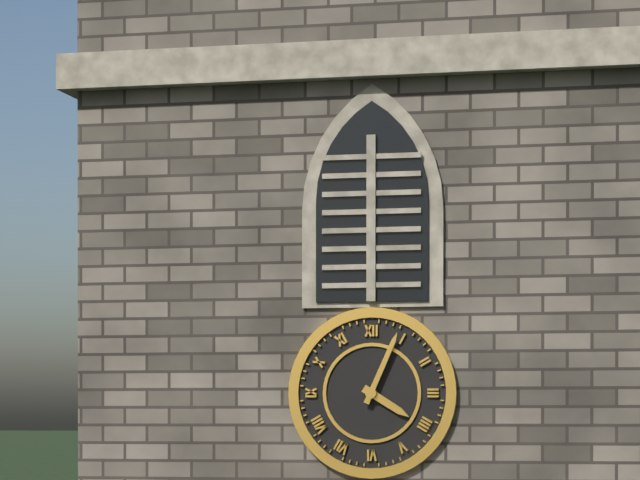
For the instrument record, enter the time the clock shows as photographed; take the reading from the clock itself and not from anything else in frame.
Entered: 4:04
